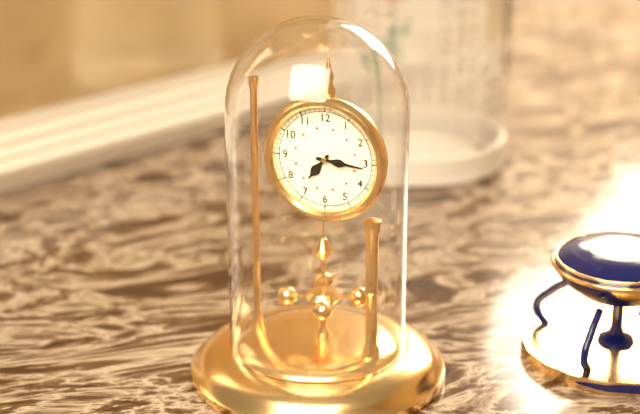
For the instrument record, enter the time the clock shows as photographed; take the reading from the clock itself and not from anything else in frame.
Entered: 7:16
